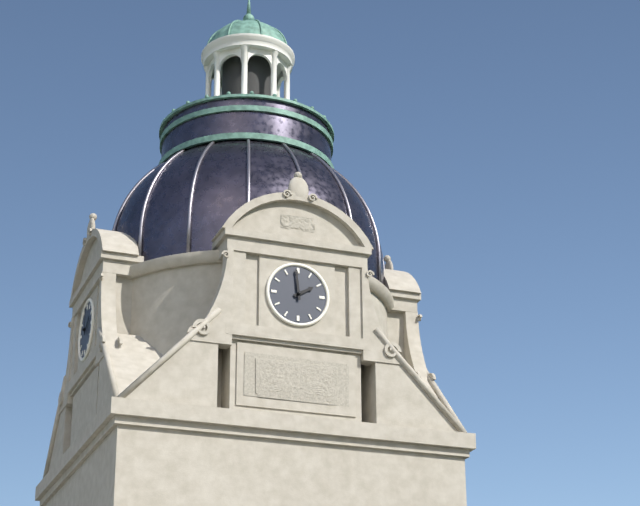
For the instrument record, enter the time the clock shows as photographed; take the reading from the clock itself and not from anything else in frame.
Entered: 1:59
